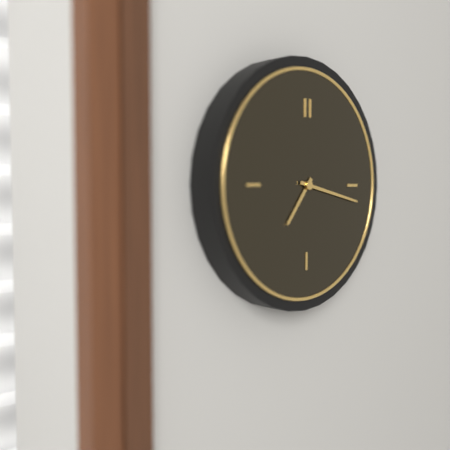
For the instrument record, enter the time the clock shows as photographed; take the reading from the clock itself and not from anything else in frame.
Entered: 7:17
